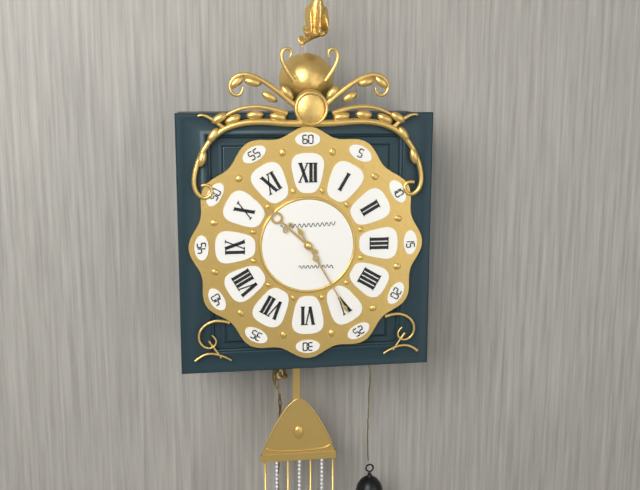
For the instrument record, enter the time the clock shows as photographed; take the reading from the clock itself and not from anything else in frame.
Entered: 10:25
